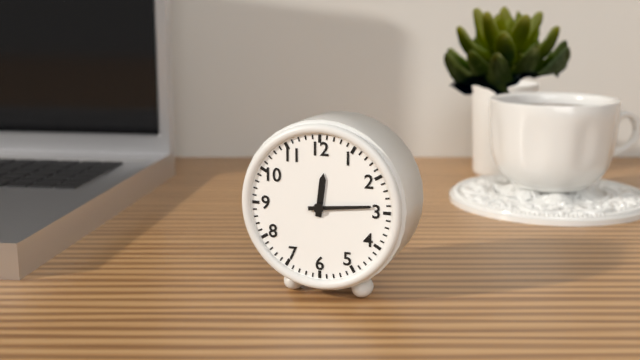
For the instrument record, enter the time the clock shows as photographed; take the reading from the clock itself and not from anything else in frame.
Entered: 12:14
